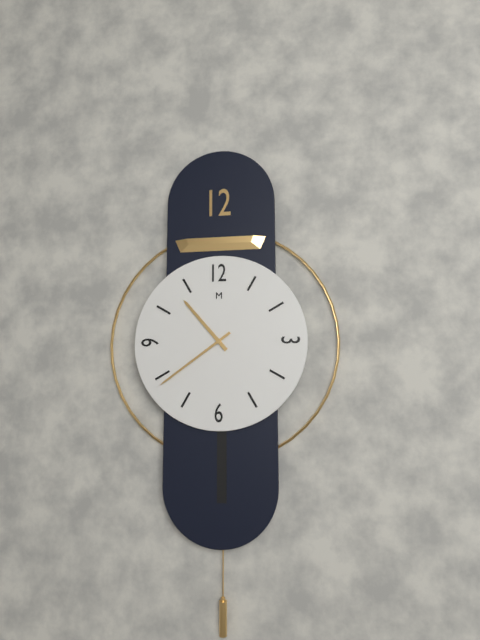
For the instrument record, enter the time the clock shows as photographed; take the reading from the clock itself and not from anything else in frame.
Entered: 10:39
